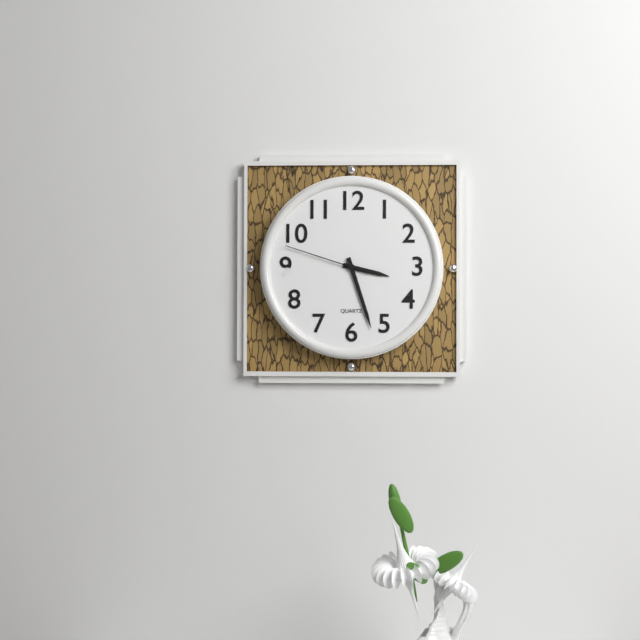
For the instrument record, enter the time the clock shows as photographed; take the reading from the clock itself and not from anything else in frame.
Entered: 3:27:48
